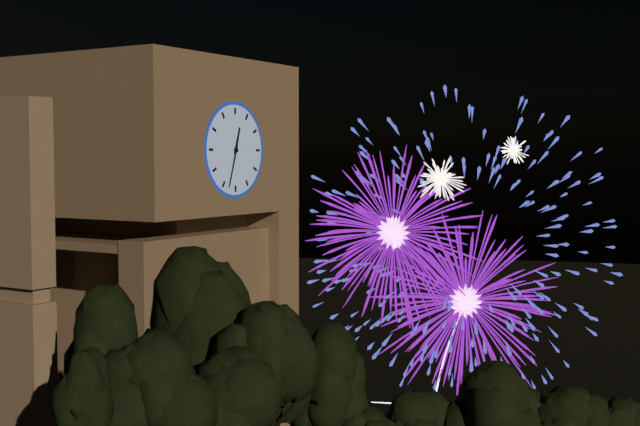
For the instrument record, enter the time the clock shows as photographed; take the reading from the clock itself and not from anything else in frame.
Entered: 12:33
